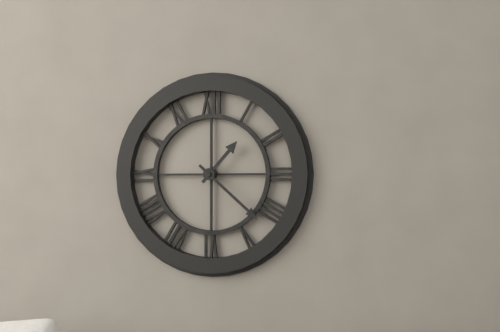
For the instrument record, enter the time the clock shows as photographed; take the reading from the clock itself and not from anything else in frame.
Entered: 1:22
